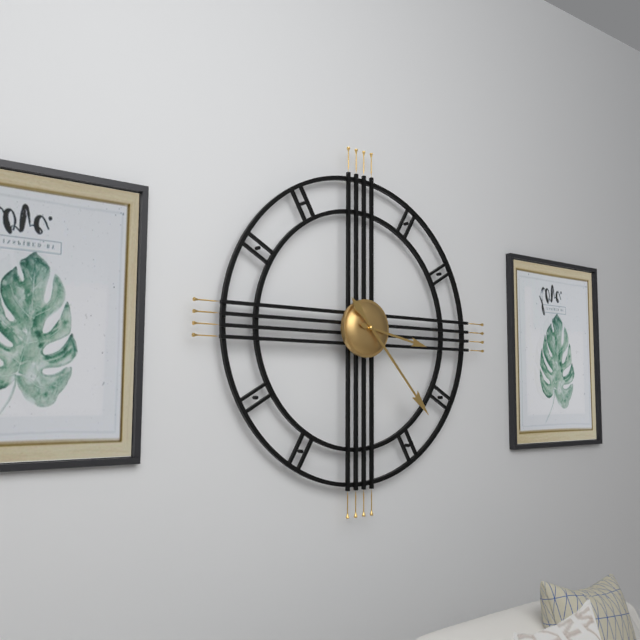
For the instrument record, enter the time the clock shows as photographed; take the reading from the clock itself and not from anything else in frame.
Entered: 3:23
